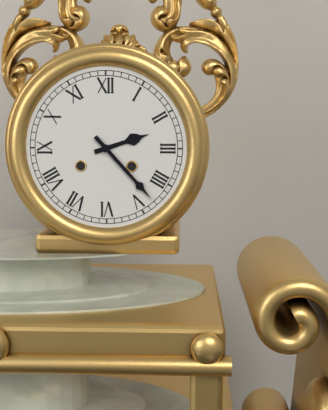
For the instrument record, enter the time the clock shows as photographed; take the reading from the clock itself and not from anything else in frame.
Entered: 2:23
